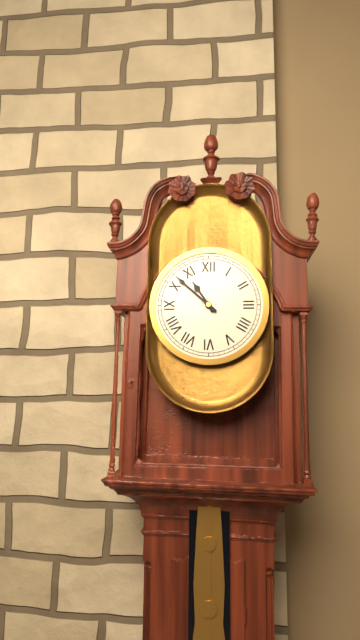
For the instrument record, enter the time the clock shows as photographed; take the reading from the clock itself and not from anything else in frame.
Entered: 10:52
